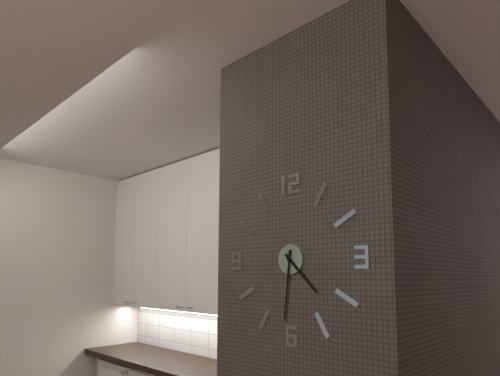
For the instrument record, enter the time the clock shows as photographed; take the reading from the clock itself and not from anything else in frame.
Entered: 4:31
